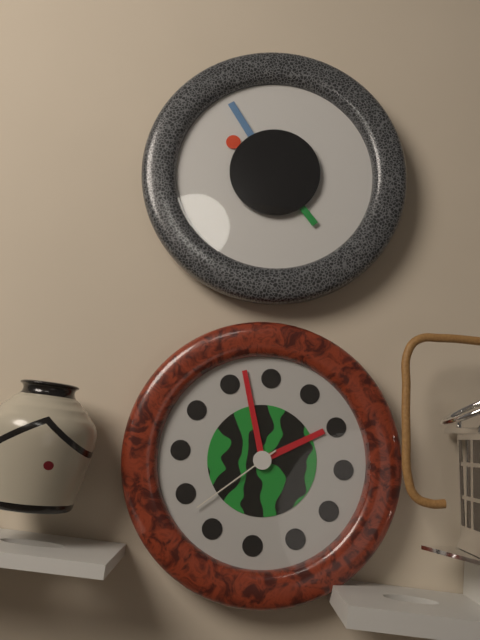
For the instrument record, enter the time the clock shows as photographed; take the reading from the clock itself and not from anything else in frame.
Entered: 1:57:38
